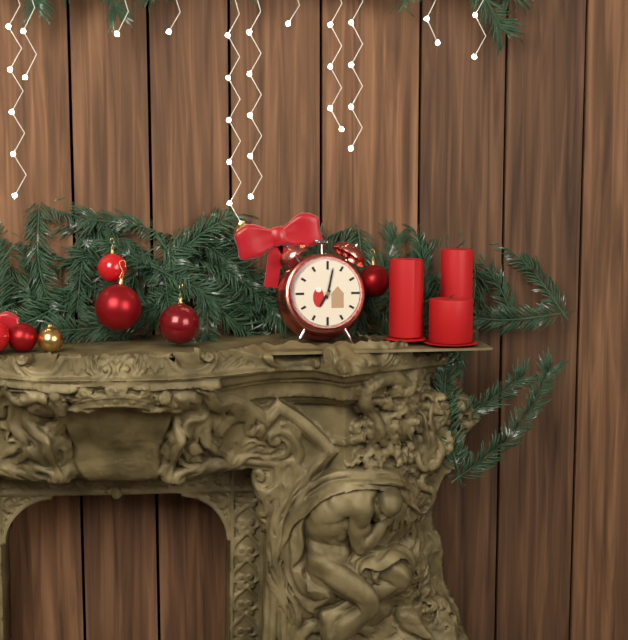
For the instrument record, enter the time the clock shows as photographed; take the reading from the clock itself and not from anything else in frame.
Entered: 7:02
